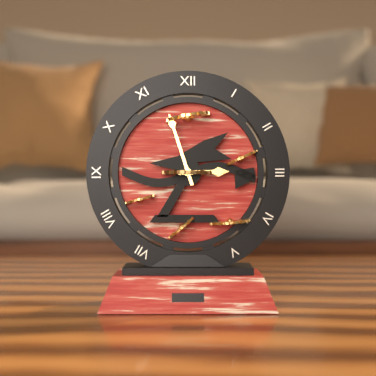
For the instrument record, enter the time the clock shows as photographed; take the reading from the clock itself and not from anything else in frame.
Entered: 2:57
